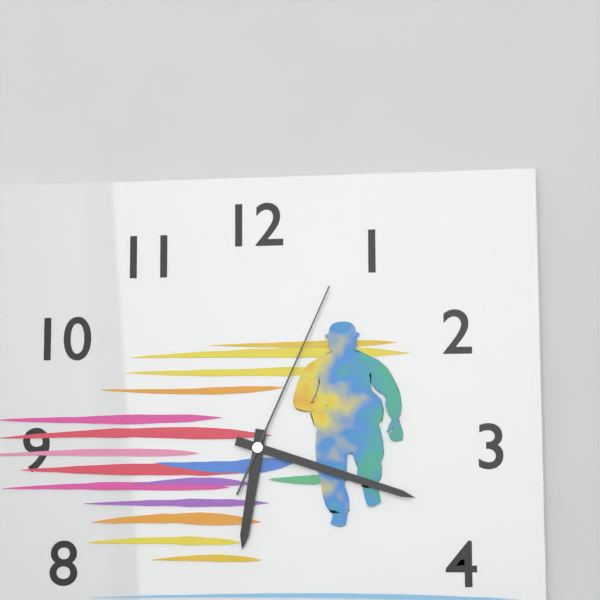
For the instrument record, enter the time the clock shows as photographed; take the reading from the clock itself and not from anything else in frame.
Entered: 6:18:04
